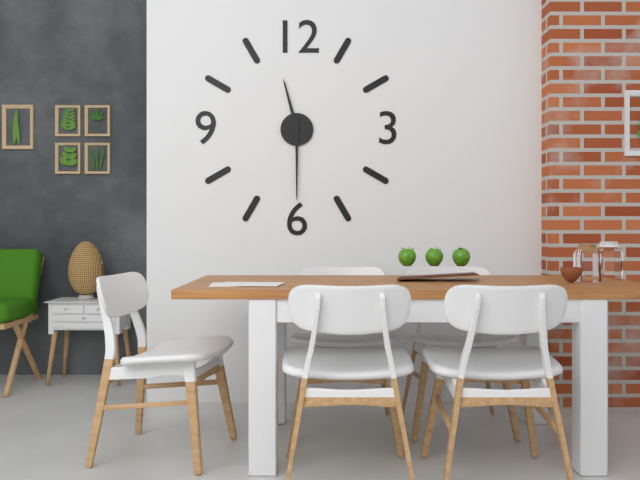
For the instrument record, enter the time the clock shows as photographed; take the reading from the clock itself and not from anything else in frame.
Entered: 11:30
